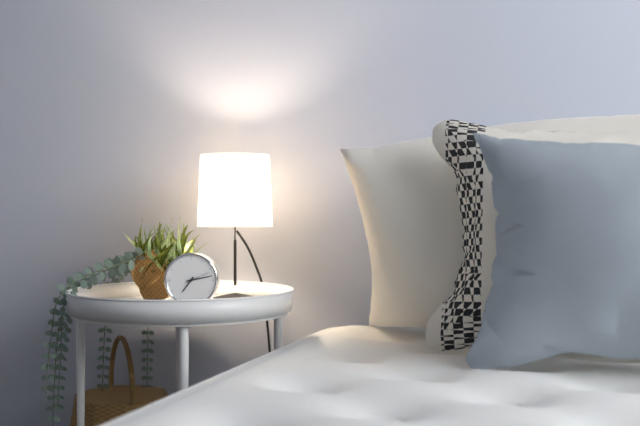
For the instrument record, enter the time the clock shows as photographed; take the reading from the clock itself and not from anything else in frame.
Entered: 7:13
